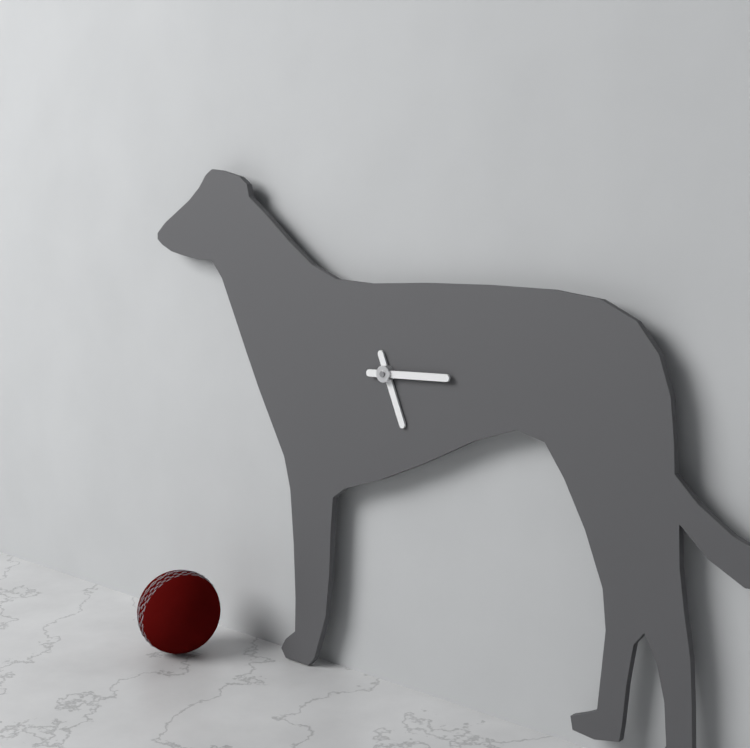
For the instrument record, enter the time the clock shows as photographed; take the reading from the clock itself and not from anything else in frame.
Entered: 5:15
